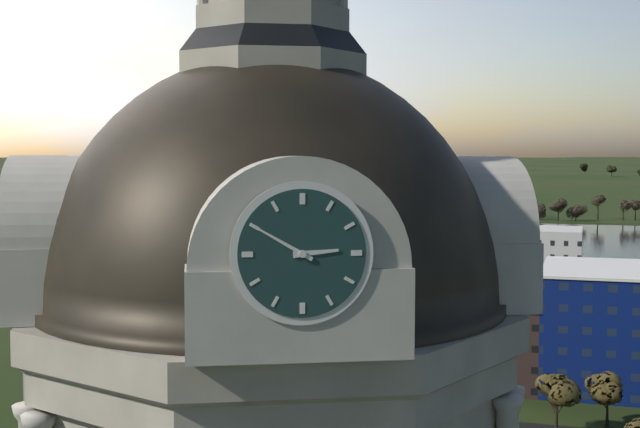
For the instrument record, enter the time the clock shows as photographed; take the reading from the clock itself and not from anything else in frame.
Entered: 2:50
